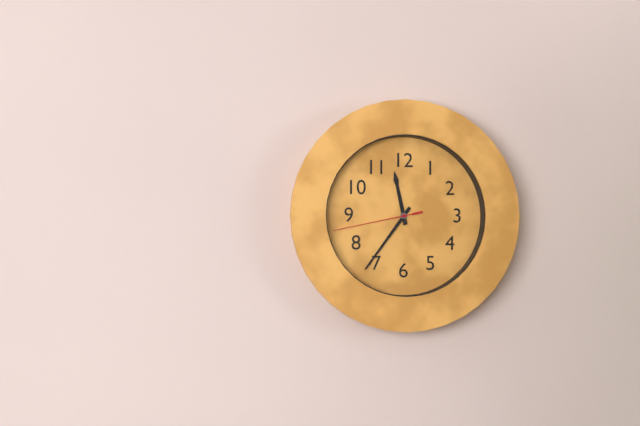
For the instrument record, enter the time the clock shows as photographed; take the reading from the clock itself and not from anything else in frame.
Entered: 11:36:43
